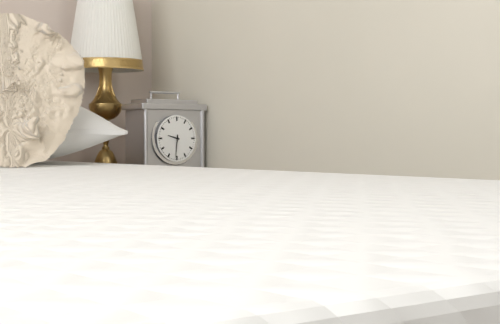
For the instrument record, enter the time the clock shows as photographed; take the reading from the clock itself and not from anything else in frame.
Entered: 9:31
